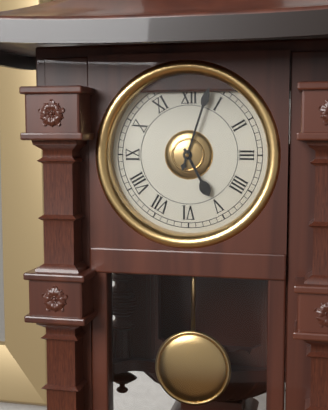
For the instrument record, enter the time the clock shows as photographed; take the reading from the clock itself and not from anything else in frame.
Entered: 5:03
